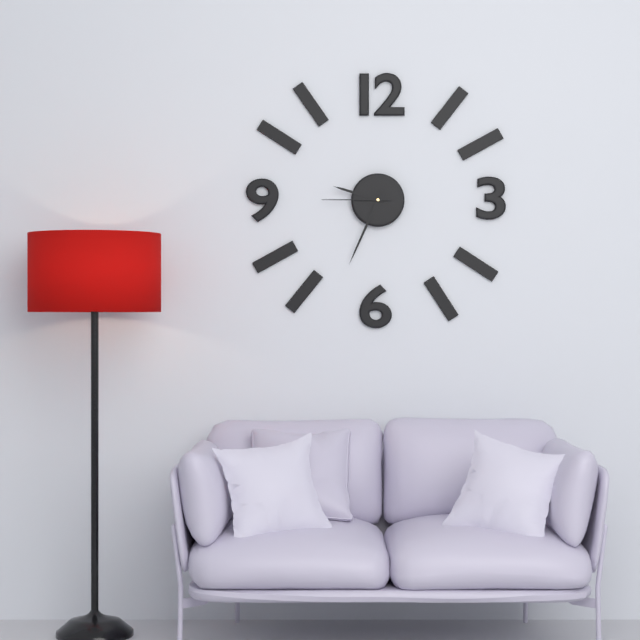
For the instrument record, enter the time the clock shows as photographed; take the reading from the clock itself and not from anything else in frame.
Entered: 9:34:45
